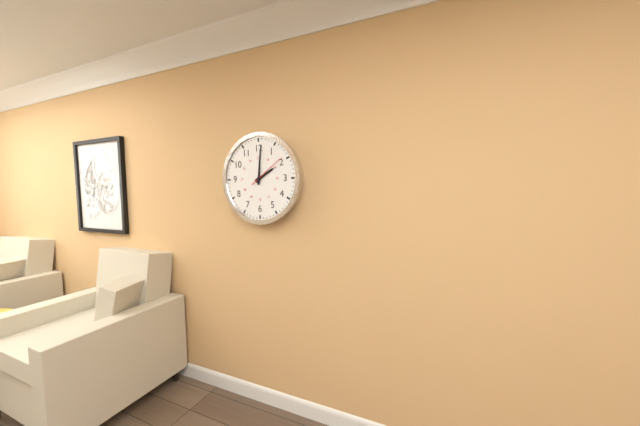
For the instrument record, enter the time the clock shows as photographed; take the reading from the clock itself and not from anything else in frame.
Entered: 2:01
